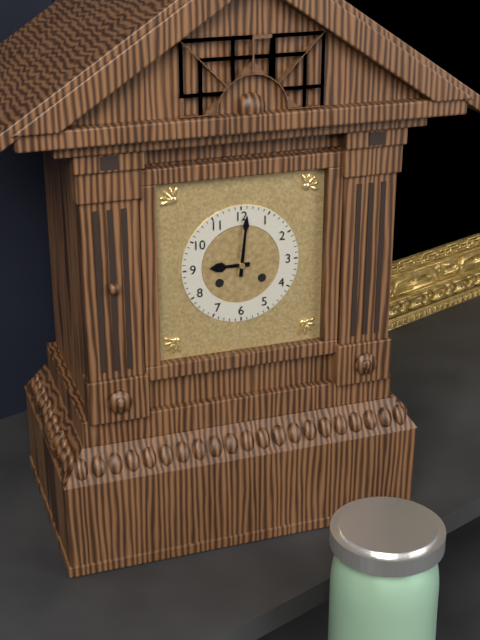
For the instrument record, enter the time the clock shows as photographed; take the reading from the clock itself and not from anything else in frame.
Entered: 9:01
